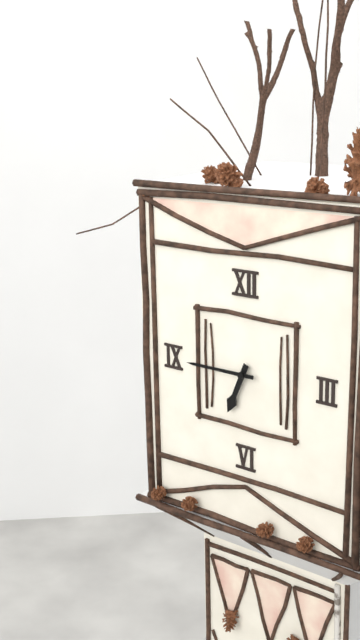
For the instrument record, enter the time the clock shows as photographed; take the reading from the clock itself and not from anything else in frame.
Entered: 6:45
